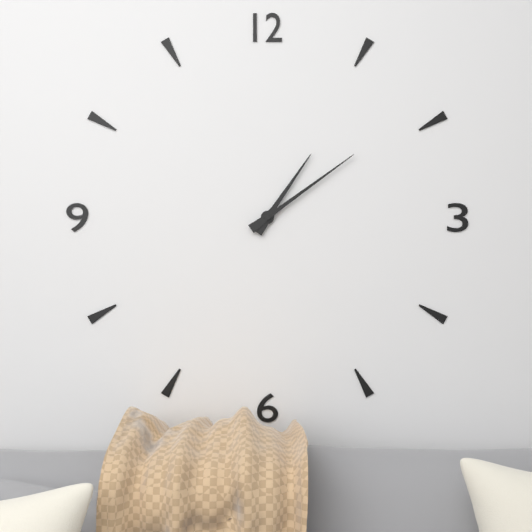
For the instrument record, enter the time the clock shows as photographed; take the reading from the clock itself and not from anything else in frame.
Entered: 1:09
